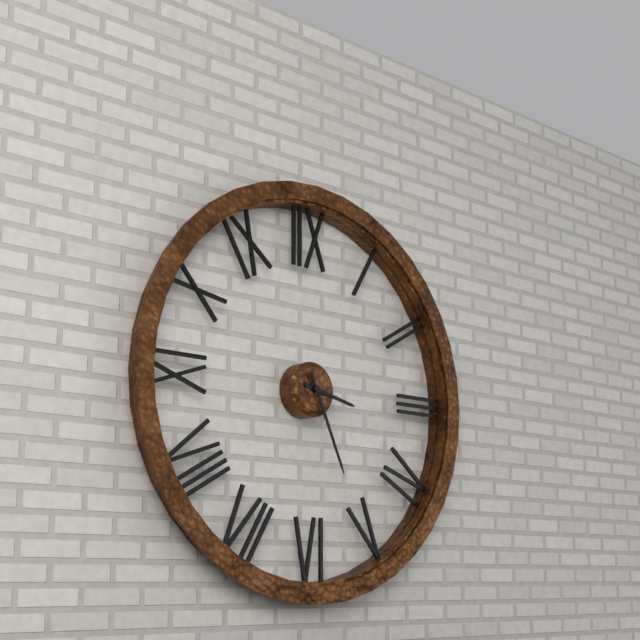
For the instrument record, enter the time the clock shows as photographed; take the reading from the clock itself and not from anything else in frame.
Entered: 3:26
